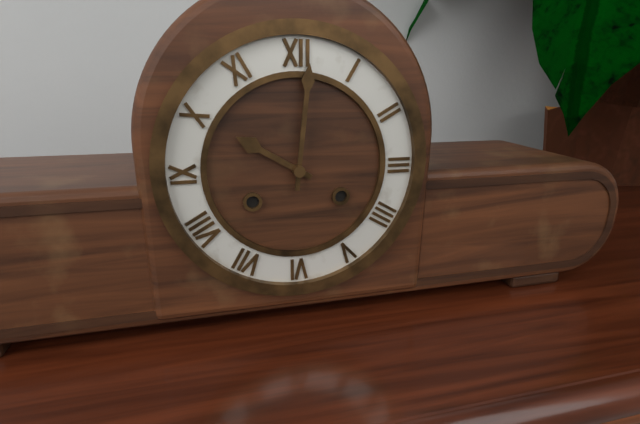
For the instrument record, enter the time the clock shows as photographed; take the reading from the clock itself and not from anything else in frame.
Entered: 10:01
